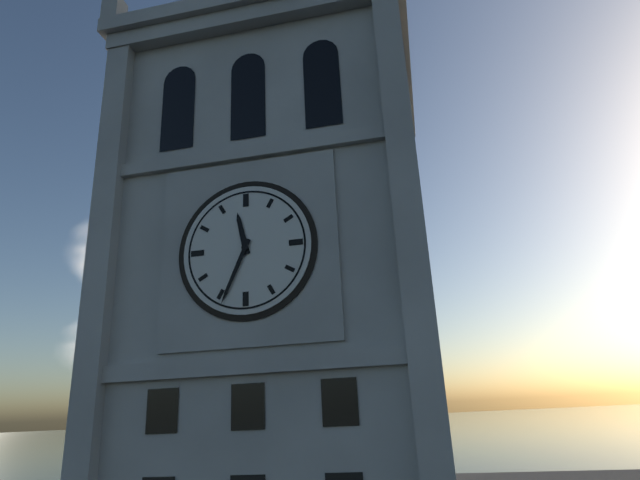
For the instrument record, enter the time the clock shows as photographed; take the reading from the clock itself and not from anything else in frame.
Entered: 11:34
